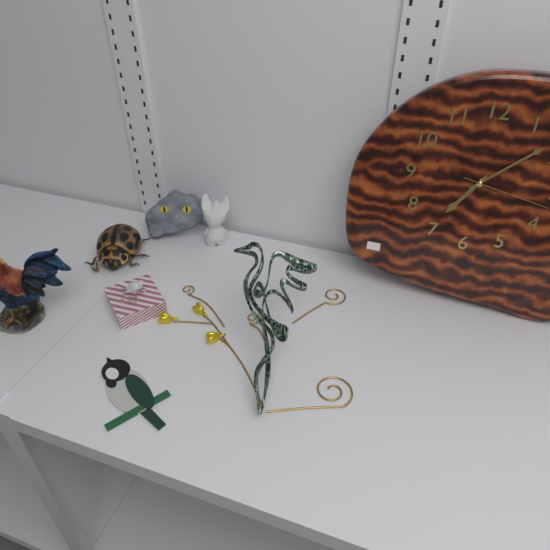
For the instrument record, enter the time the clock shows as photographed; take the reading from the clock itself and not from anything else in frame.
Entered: 7:08:17
